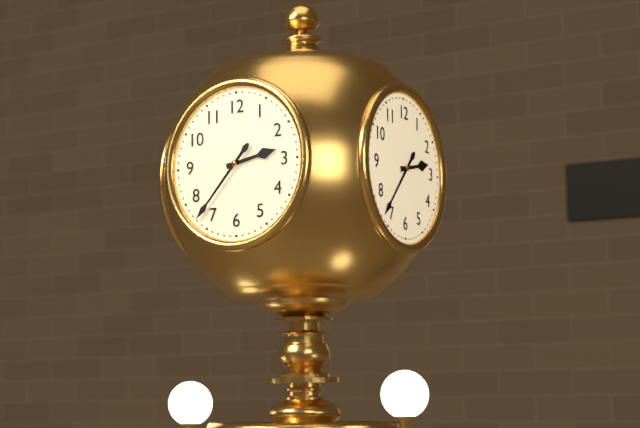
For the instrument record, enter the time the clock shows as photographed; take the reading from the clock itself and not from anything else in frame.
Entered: 2:37
